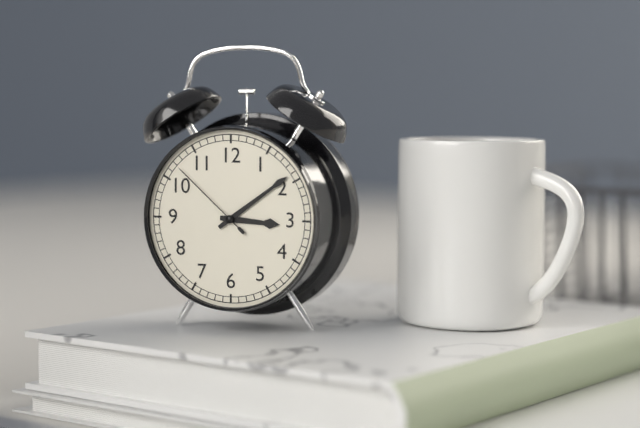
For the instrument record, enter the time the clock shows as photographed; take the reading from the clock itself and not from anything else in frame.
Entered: 3:09:52
